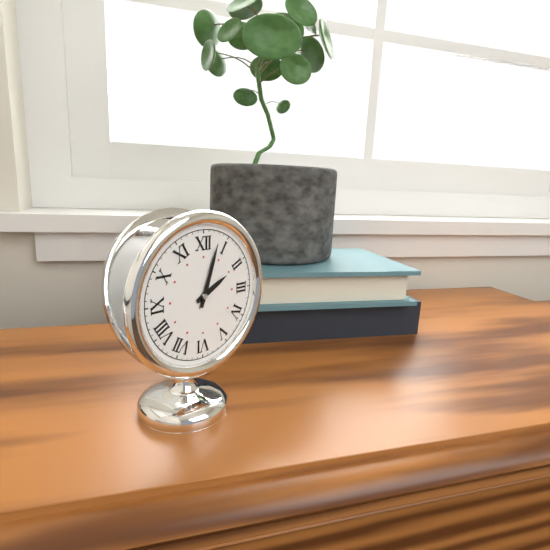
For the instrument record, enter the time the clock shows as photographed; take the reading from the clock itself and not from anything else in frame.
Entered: 2:03
